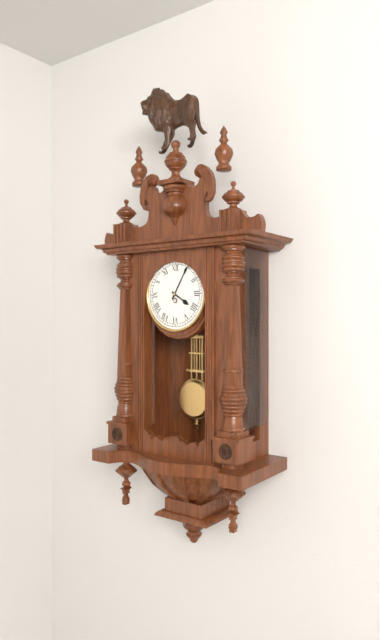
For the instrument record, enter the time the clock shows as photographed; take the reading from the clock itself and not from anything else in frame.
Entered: 4:05
